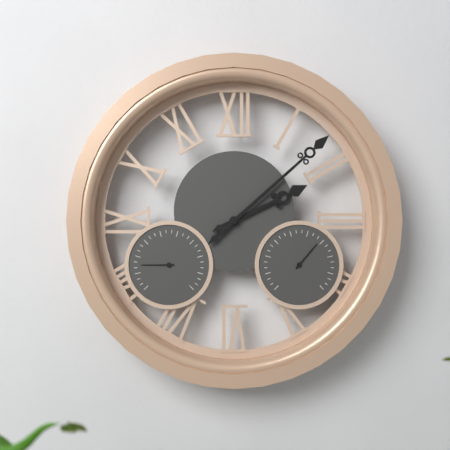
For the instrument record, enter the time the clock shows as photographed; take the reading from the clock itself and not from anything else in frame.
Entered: 2:08
